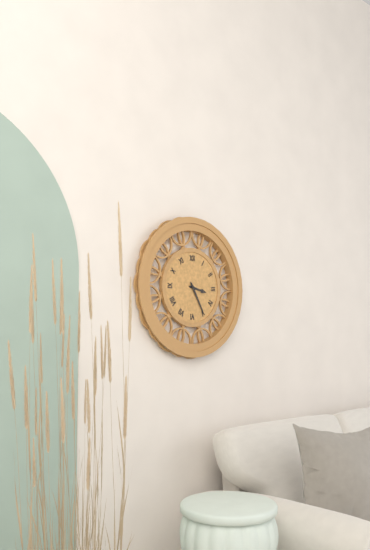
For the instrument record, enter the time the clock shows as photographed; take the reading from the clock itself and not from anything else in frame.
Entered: 3:25
